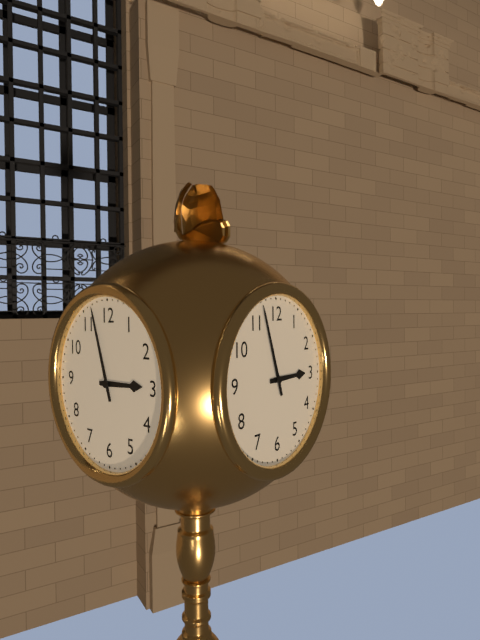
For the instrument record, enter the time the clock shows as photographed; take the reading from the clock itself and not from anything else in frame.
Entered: 2:57
